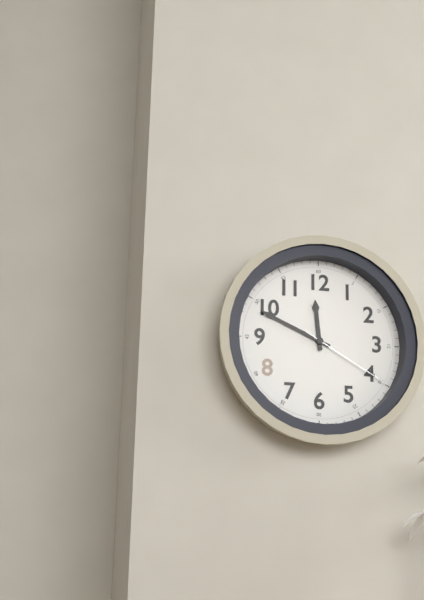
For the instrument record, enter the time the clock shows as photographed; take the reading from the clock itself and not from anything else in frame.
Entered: 11:49:20
